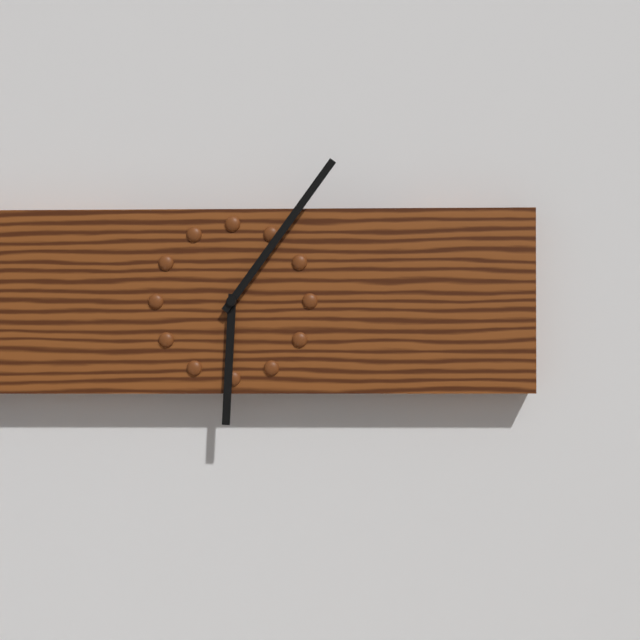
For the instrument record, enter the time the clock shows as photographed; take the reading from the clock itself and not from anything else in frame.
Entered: 6:06
